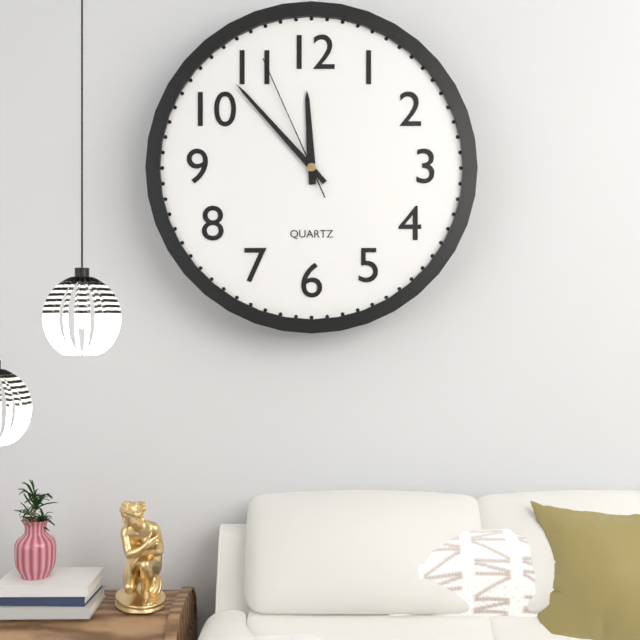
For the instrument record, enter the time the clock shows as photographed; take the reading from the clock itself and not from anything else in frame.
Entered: 11:53:56
